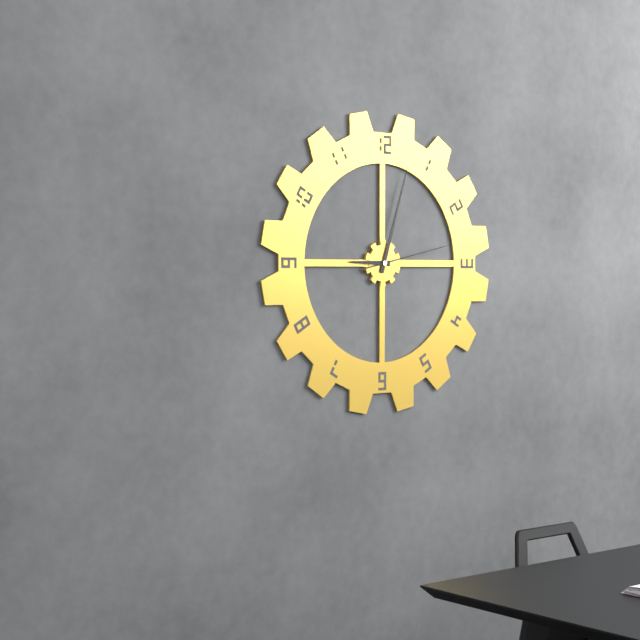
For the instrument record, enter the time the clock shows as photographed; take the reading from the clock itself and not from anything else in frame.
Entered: 9:03:13
